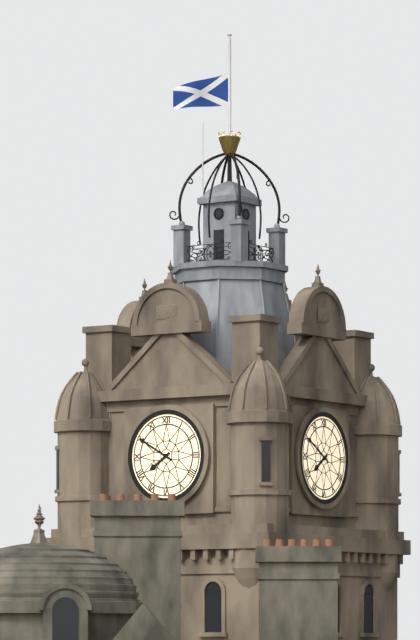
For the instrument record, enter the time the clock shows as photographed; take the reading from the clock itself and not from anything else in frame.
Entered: 7:50
